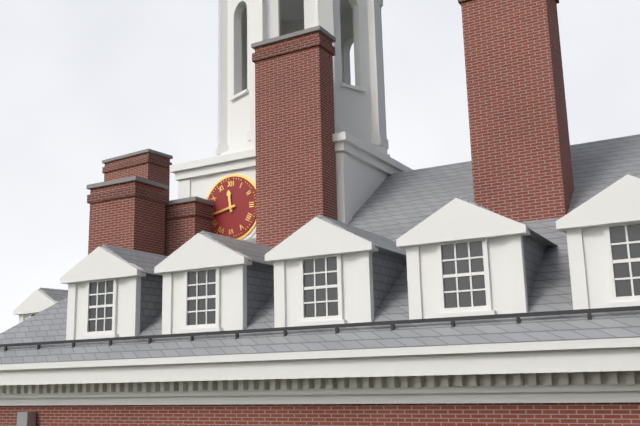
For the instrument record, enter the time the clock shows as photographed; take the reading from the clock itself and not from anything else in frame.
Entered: 11:43
